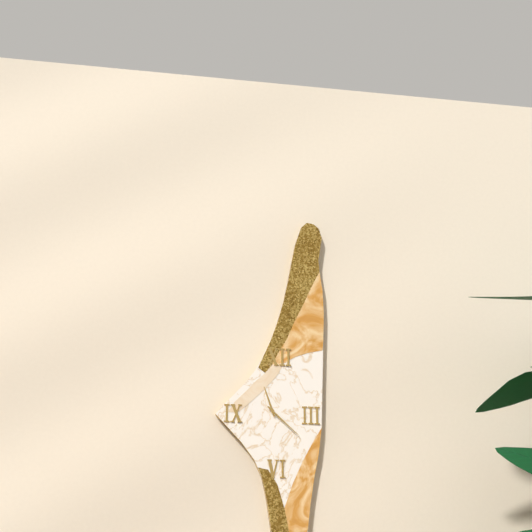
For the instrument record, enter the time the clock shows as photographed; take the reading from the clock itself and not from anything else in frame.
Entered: 11:22
